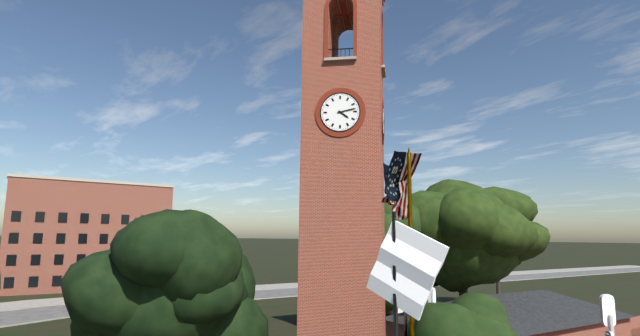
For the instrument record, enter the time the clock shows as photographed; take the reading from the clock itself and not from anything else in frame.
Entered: 4:13
